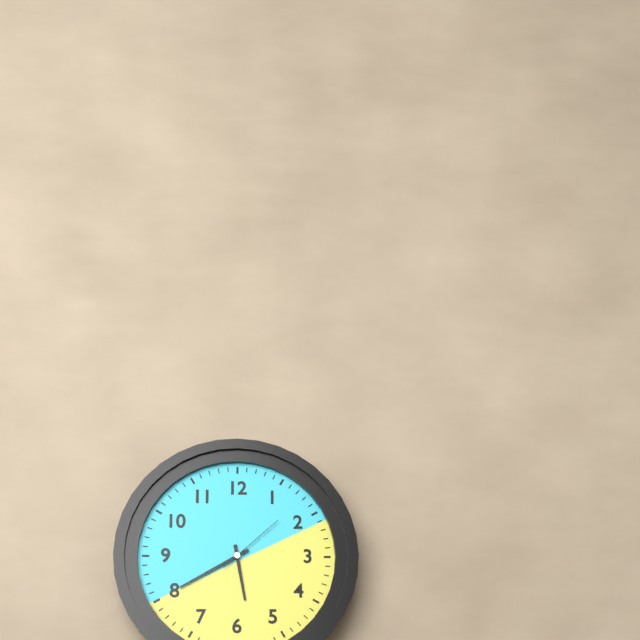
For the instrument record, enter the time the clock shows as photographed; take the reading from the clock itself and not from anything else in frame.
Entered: 5:40:08
